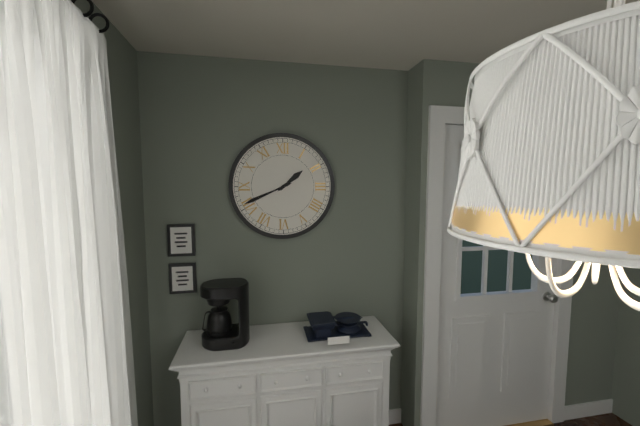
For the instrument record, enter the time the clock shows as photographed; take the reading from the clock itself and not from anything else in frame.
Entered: 1:41
